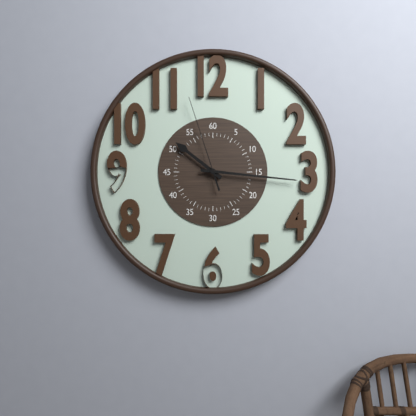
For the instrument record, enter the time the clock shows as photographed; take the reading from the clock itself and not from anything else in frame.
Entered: 10:16:57
